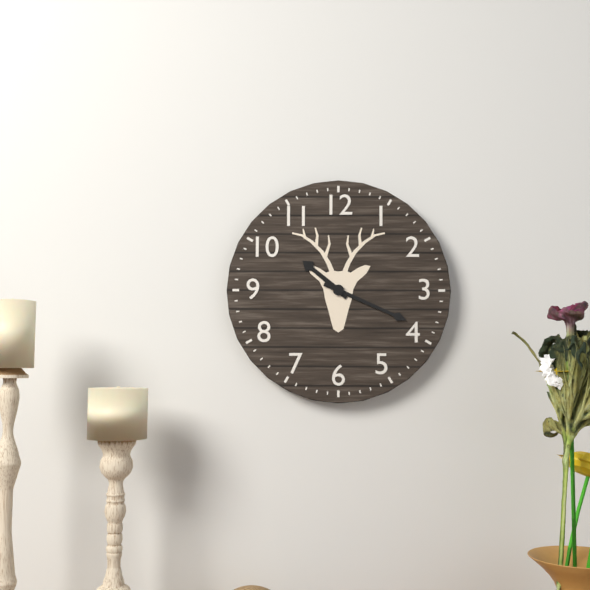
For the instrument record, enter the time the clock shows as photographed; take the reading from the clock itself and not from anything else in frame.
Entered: 10:19
